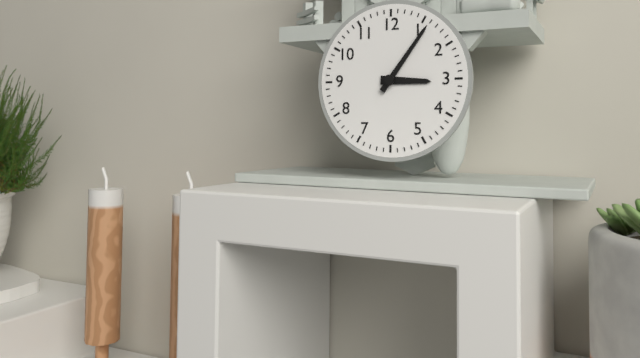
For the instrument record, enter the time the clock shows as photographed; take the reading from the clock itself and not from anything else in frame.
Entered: 3:06
